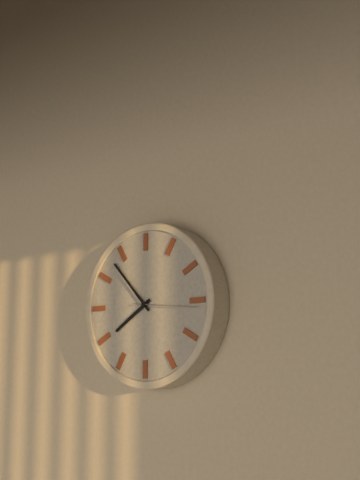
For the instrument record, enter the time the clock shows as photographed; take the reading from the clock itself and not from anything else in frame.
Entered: 7:53:16
